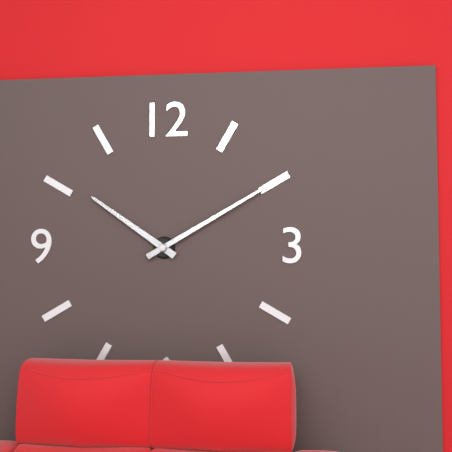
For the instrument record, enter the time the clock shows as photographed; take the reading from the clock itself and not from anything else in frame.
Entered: 10:10
